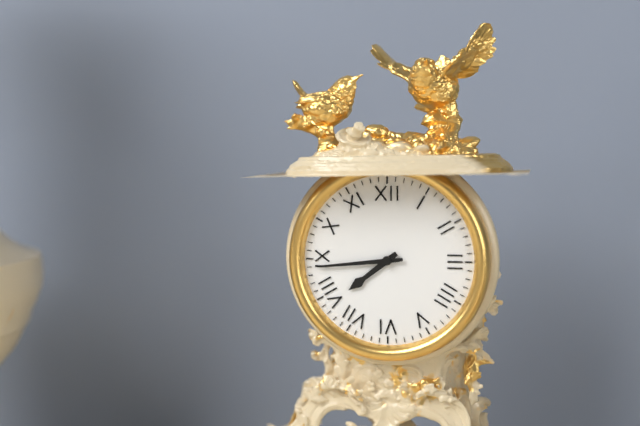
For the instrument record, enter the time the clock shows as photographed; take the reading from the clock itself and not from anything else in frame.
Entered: 7:44
